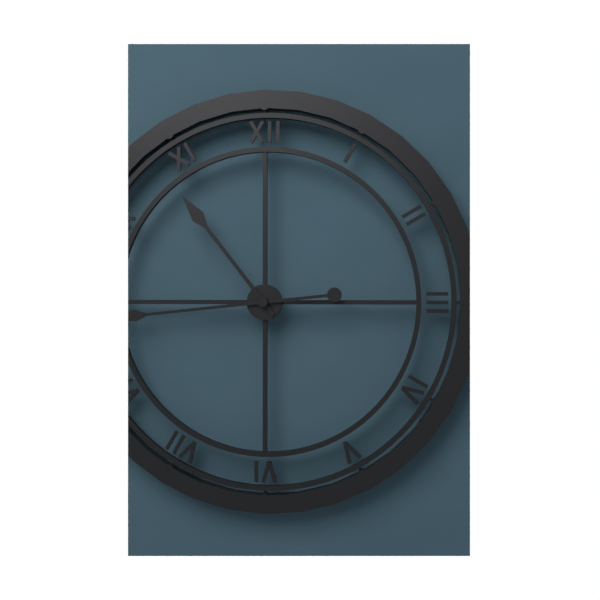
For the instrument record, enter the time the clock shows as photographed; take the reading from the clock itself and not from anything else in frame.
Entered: 10:44
